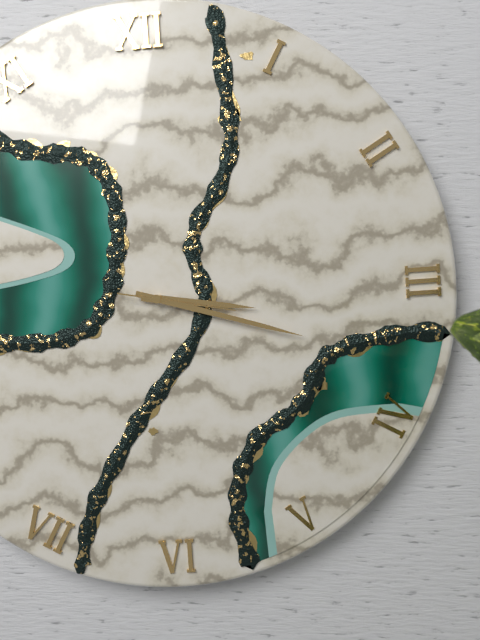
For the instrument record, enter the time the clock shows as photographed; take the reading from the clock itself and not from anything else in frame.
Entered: 3:18:17
